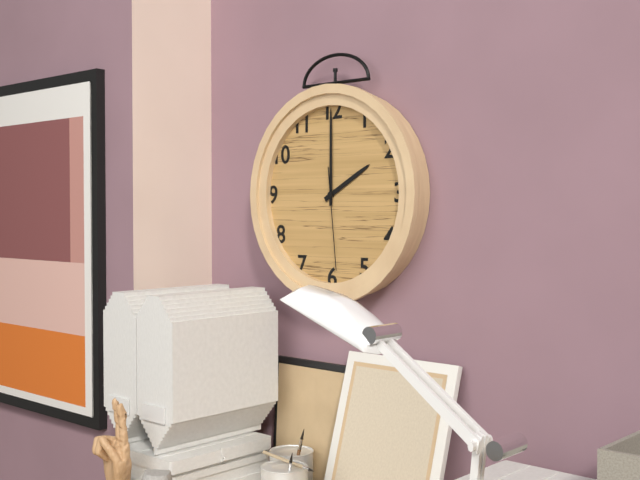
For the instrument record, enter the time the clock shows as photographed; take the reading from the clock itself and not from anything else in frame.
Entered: 2:00:29
